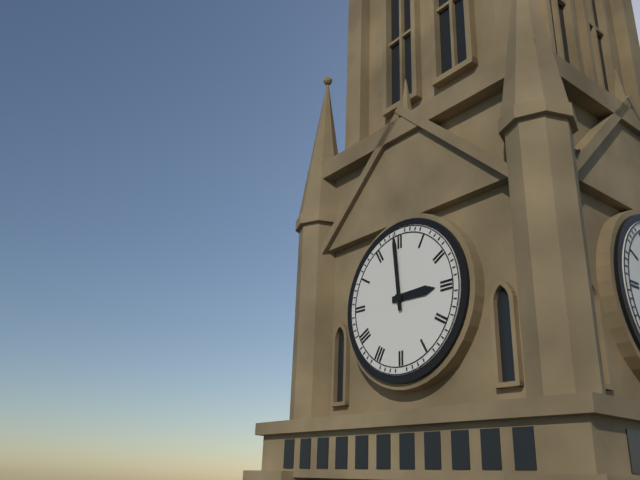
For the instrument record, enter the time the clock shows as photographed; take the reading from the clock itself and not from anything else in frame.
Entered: 2:59
